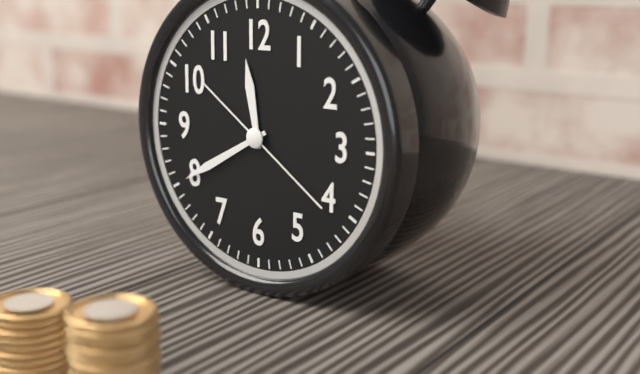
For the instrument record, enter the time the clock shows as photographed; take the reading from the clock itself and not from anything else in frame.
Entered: 11:40:21
